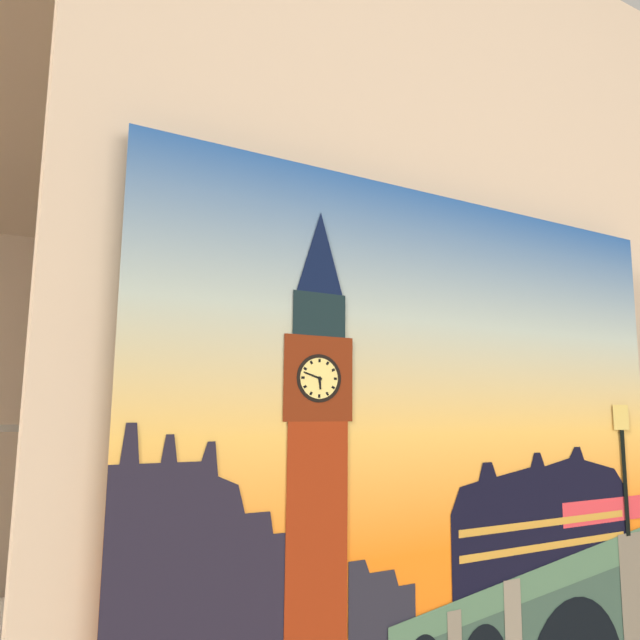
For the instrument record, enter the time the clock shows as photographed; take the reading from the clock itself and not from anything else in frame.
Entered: 5:48
